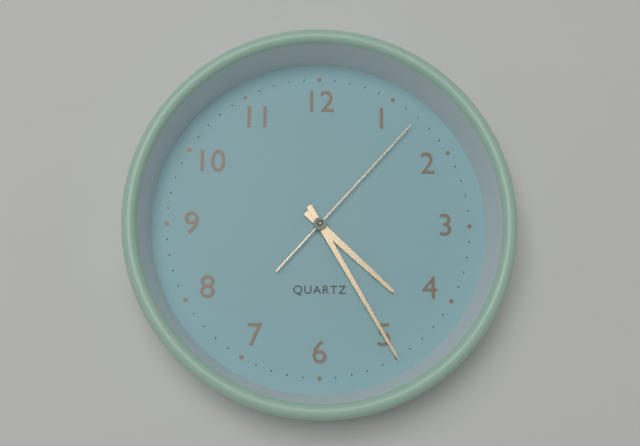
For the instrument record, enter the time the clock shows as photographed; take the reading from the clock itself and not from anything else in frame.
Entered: 4:25:07
